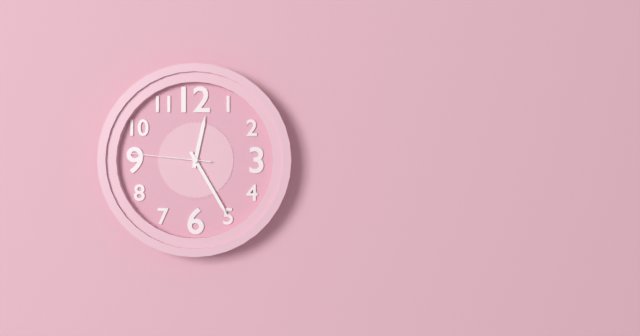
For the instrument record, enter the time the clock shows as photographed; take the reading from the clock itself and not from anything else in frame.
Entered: 12:25:46
